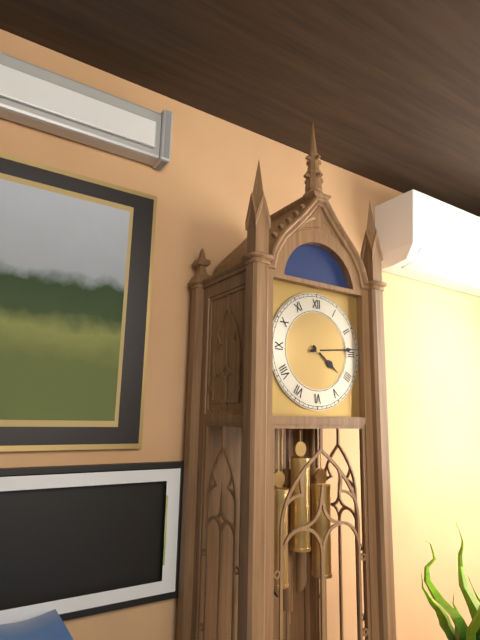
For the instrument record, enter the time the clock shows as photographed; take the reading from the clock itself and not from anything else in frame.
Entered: 4:14
